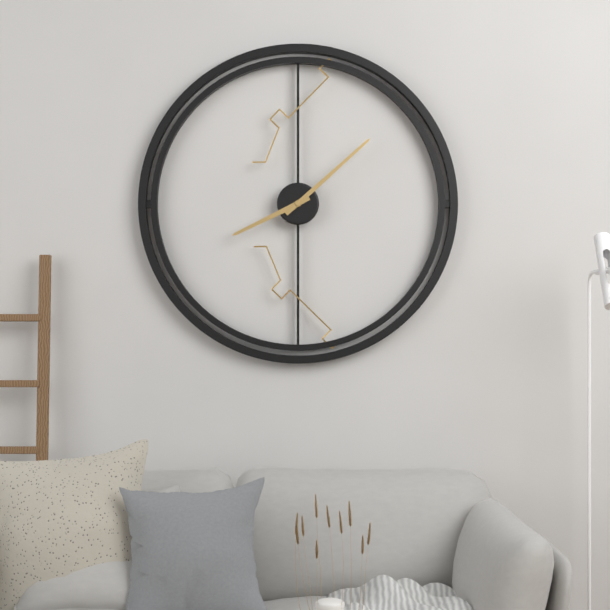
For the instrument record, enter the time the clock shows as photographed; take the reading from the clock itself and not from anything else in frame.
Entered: 8:08
